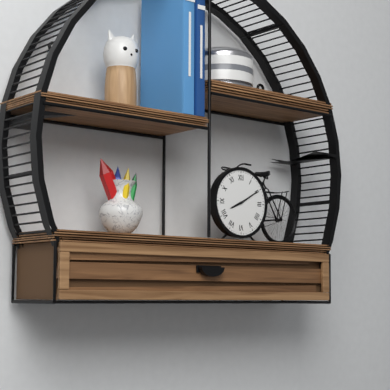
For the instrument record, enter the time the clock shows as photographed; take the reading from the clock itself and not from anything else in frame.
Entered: 8:10
